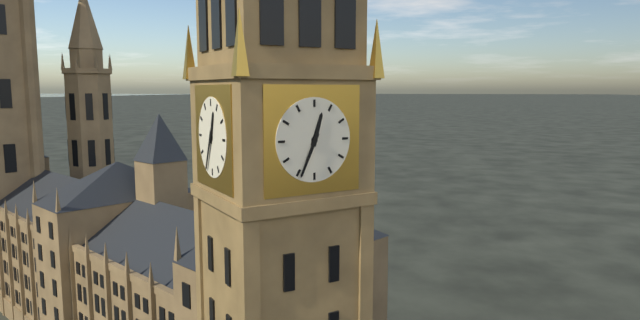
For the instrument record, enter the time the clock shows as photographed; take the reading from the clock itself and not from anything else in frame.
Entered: 12:34
